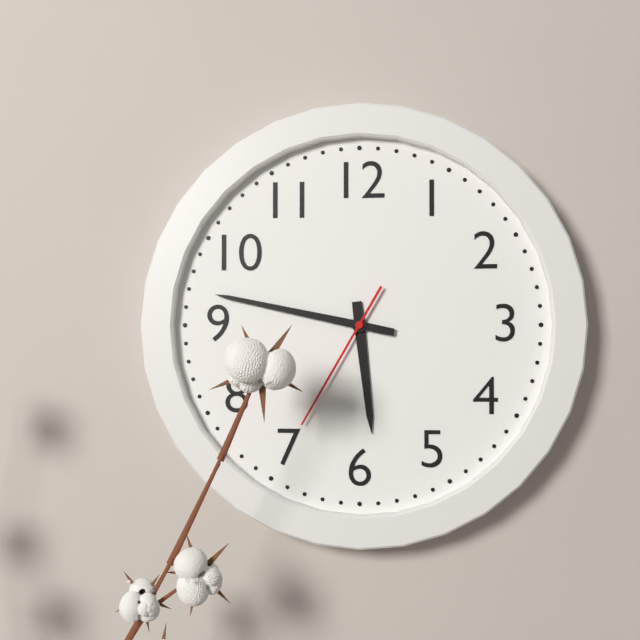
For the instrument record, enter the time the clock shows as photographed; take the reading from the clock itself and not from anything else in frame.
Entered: 5:47:35
